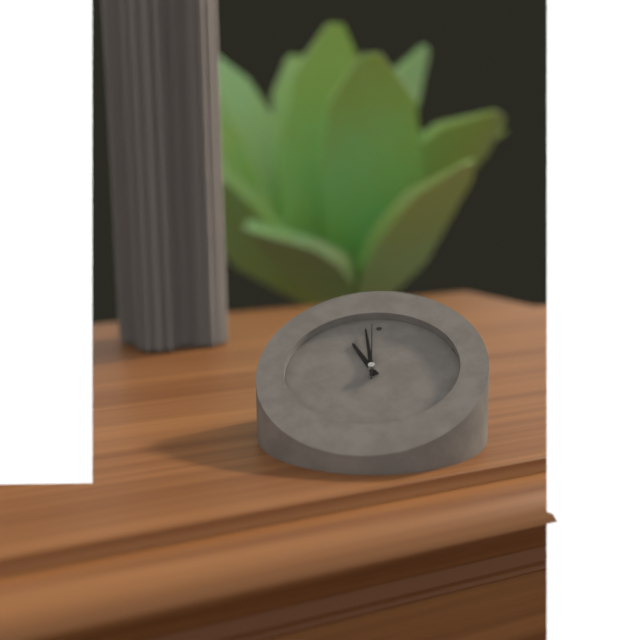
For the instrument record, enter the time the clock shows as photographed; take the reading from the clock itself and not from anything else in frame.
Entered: 10:58:59
